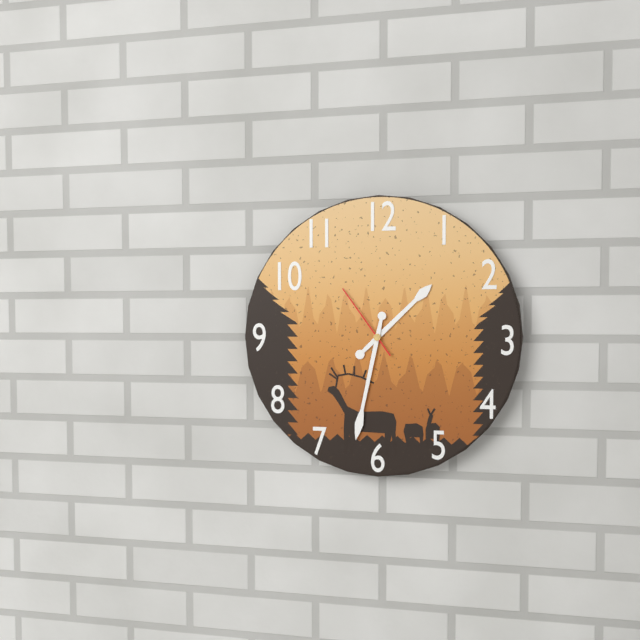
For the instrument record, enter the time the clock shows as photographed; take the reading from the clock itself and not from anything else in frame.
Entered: 1:32:54
